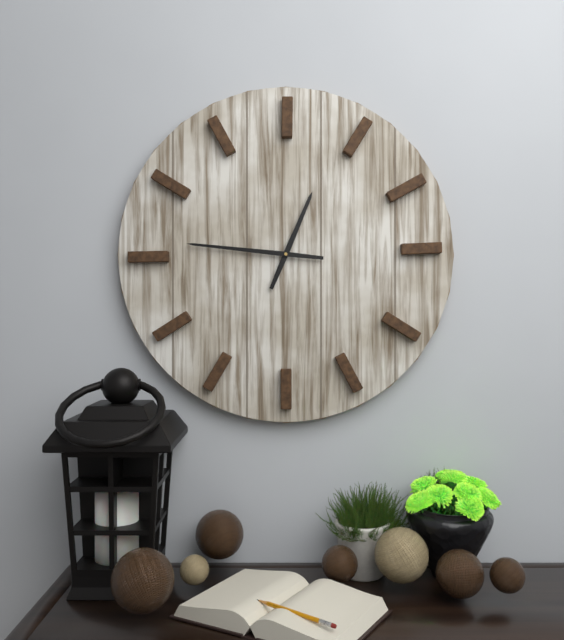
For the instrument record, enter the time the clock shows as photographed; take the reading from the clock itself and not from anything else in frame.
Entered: 12:46
